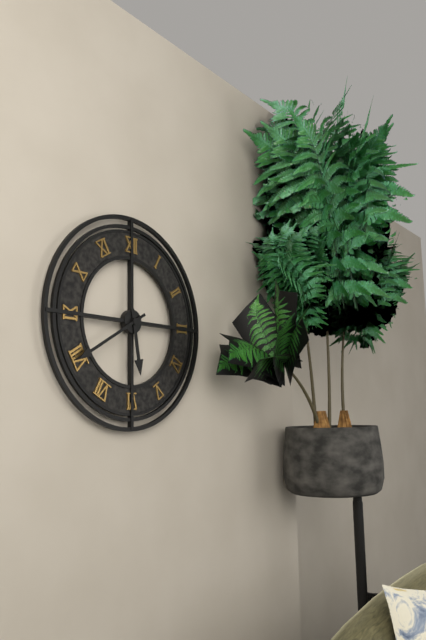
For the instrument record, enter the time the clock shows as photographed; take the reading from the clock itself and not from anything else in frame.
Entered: 5:40
